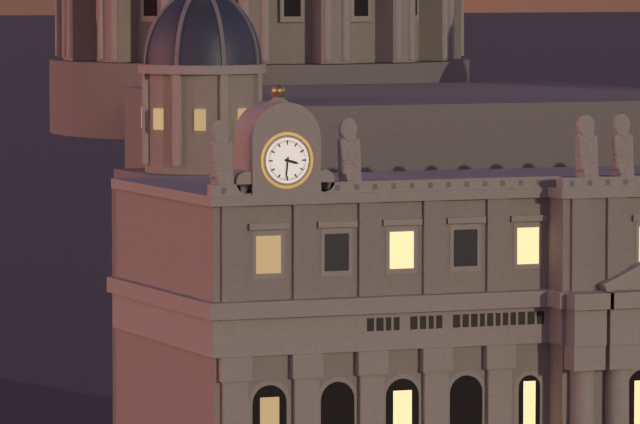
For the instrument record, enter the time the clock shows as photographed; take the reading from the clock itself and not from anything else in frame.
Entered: 3:31
